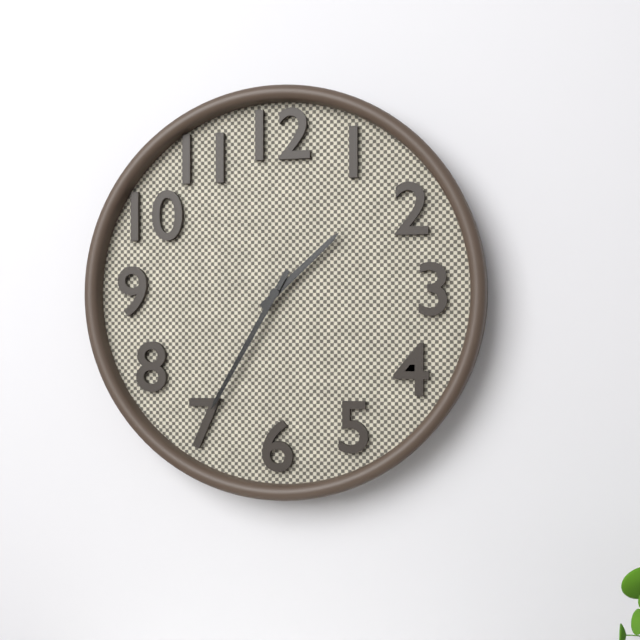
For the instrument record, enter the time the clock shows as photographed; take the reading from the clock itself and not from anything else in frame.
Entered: 1:35
